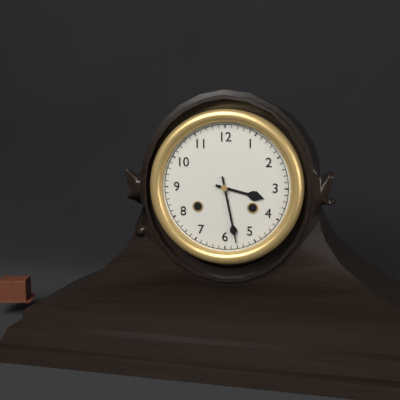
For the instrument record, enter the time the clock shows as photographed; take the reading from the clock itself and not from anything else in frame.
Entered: 3:28
